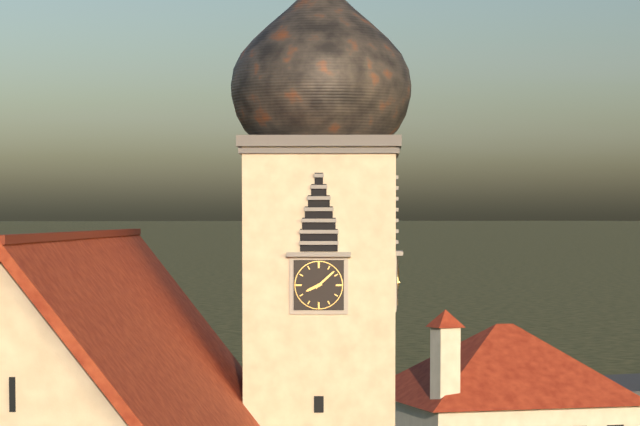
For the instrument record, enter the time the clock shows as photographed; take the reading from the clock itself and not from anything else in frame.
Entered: 8:08
